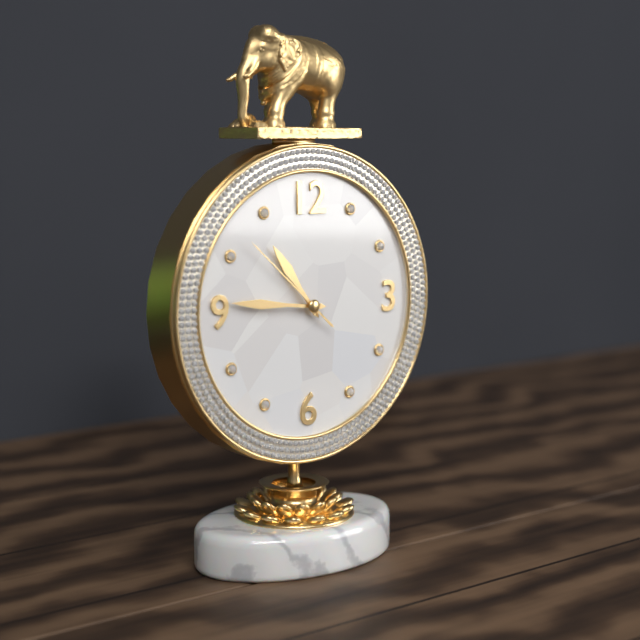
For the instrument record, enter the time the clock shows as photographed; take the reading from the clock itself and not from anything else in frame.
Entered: 10:46:52
